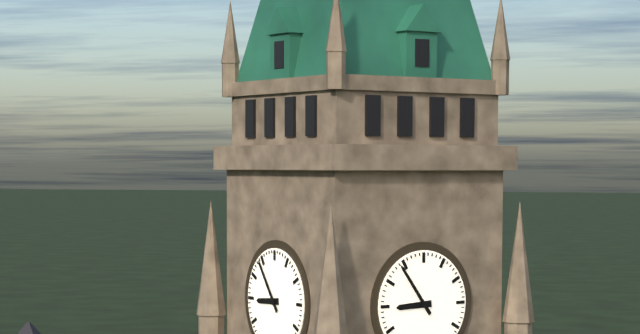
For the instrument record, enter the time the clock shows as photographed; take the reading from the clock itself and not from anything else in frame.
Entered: 8:54
